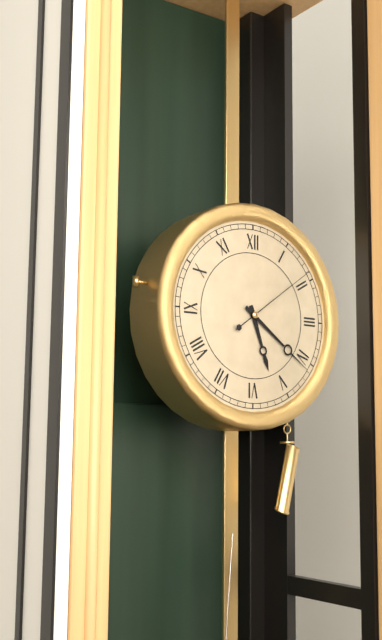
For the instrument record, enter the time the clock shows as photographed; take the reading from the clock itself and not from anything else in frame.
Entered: 5:21:09
